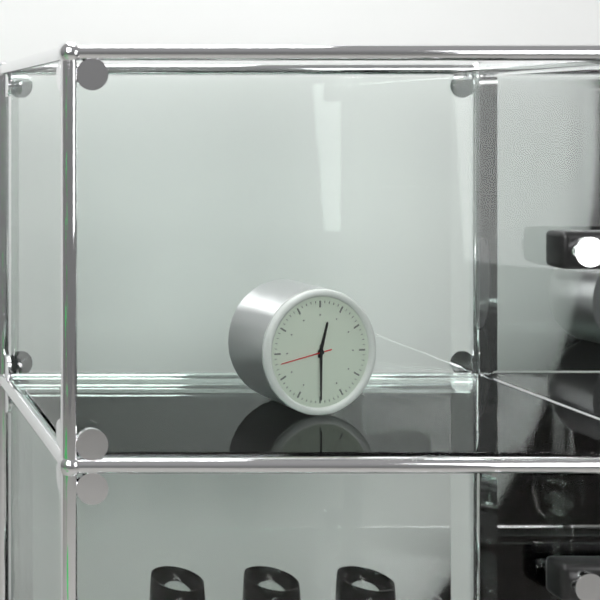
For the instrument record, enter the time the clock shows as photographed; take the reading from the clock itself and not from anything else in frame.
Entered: 12:30:43
